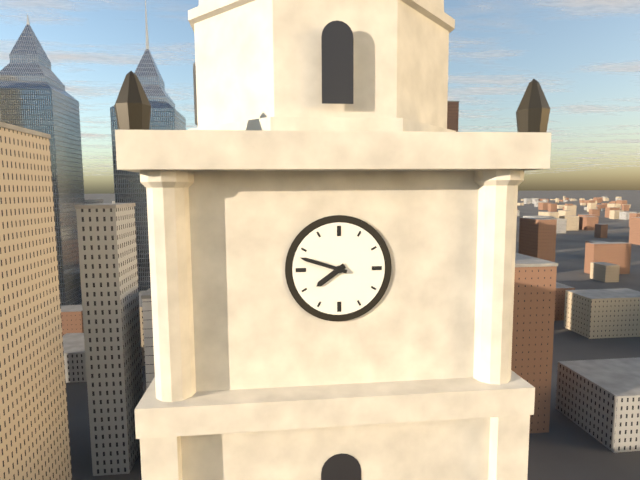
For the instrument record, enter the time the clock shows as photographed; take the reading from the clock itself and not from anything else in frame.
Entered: 7:48
